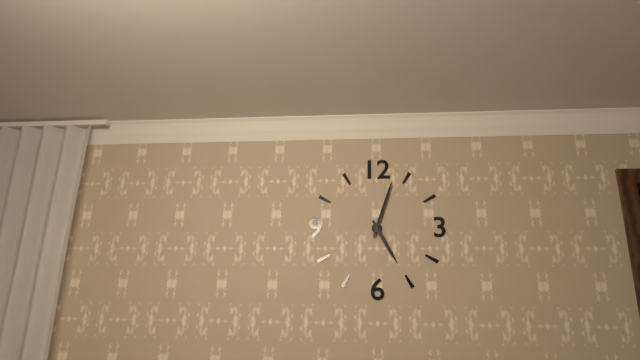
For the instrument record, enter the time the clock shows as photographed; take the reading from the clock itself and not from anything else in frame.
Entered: 5:03
